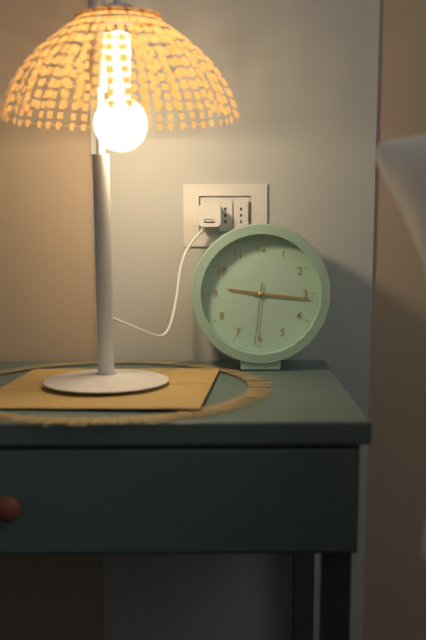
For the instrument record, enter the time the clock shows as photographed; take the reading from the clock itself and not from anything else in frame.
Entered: 9:16:31
